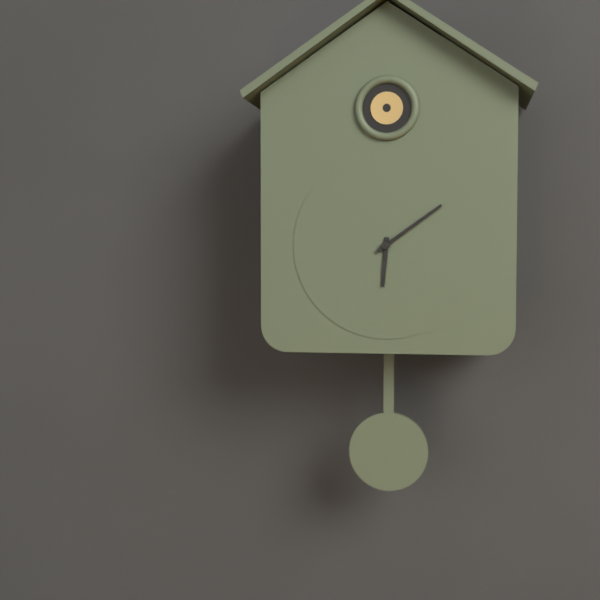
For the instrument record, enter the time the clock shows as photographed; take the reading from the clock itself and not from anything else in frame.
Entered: 6:09
